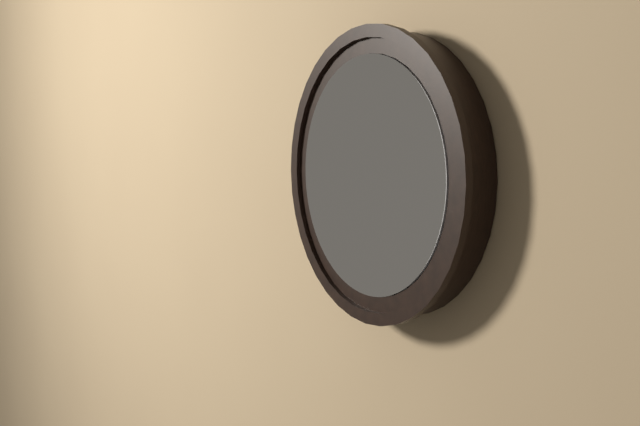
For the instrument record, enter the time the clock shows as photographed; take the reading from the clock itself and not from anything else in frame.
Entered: 8:05
